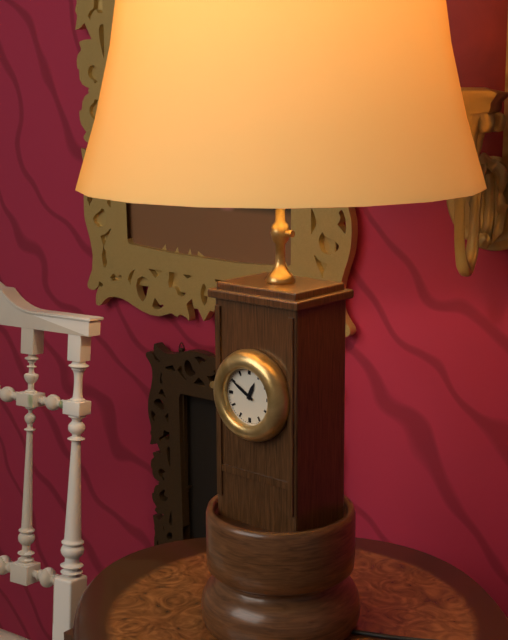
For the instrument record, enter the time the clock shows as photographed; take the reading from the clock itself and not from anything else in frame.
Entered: 12:50
